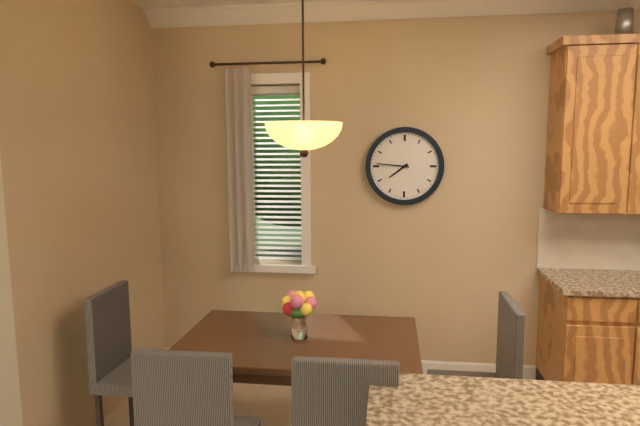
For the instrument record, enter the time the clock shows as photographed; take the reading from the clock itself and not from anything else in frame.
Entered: 7:46
